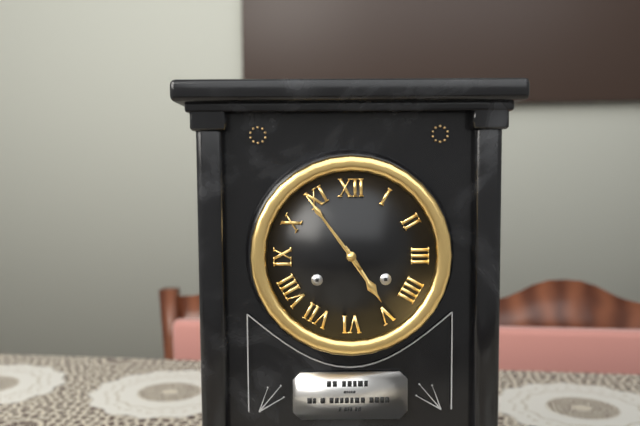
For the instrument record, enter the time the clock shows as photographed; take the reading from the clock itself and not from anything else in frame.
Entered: 4:54
